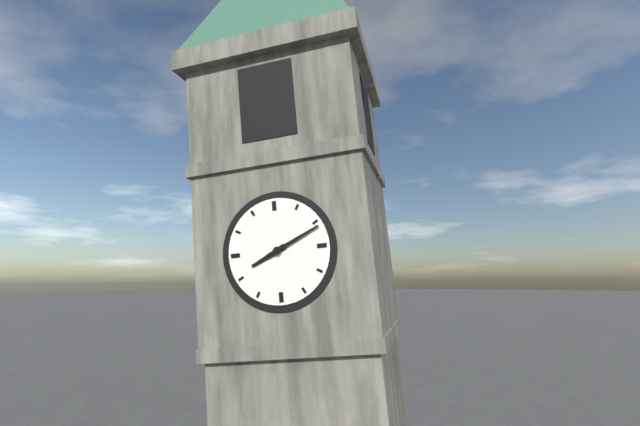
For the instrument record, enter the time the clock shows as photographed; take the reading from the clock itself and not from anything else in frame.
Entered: 8:11
